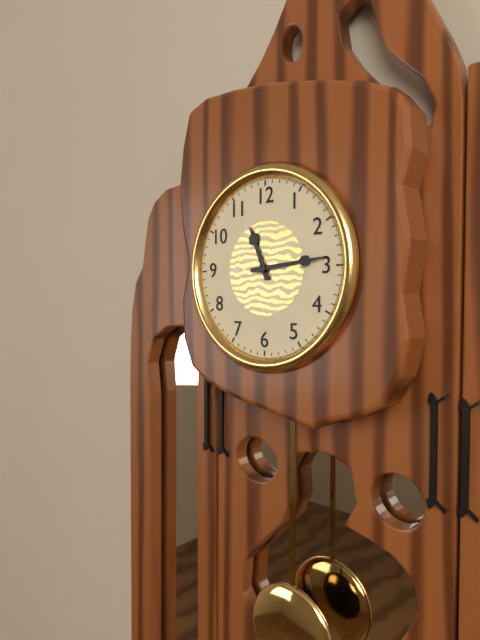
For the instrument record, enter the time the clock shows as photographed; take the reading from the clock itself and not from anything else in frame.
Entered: 11:14
